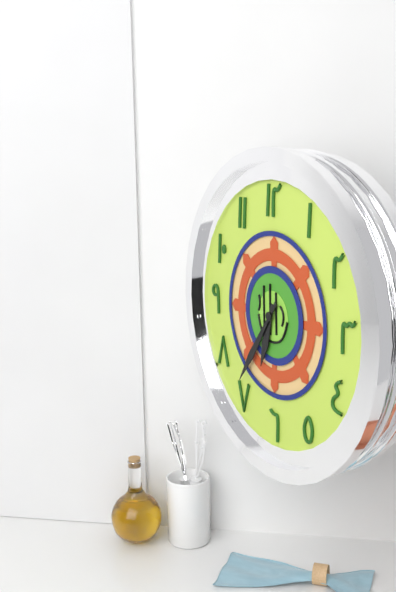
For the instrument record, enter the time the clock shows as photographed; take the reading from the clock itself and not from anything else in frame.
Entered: 6:36
